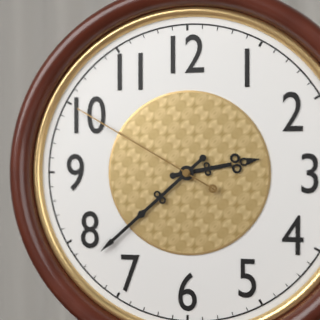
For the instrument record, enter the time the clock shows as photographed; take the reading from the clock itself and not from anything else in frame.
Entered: 2:38:50
